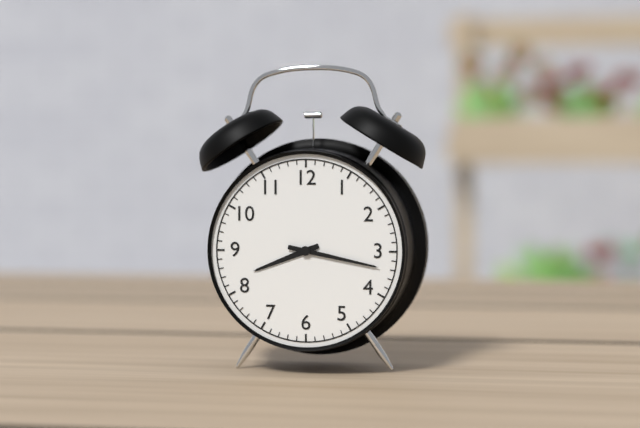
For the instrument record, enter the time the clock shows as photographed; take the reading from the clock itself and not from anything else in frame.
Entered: 8:17
